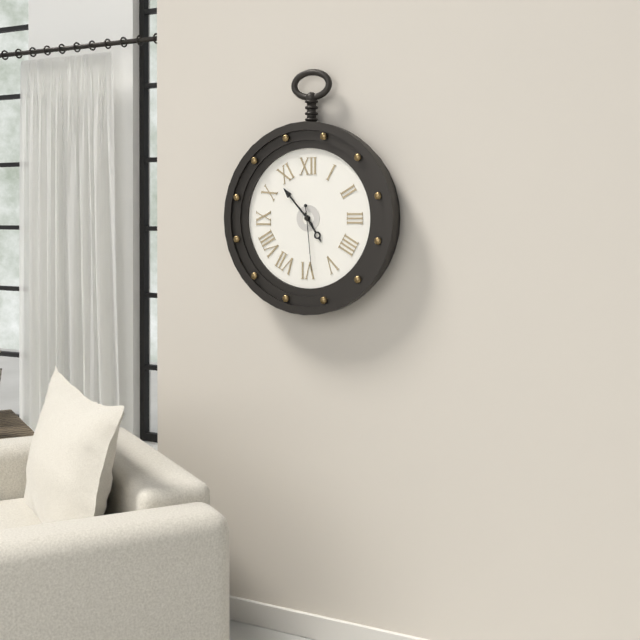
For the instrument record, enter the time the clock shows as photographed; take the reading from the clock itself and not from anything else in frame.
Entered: 4:53:29
